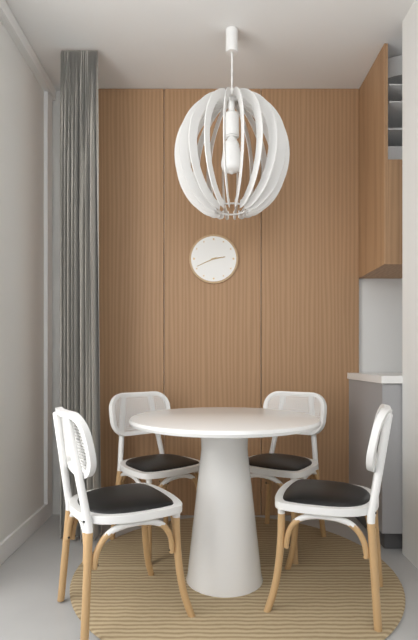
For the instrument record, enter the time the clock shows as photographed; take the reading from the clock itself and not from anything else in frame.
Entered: 2:41
